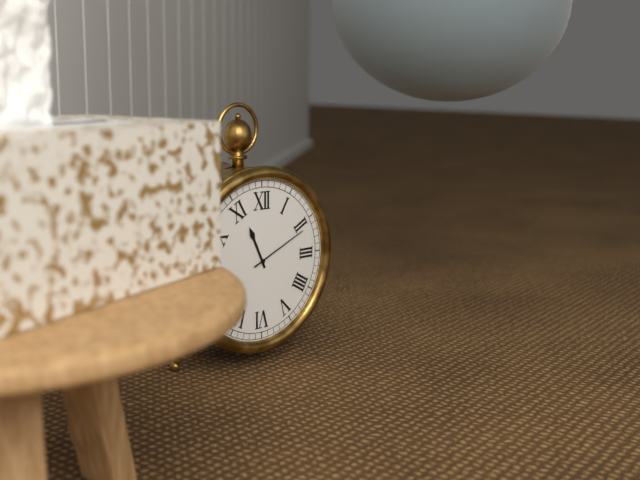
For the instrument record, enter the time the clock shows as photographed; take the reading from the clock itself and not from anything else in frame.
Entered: 11:11
